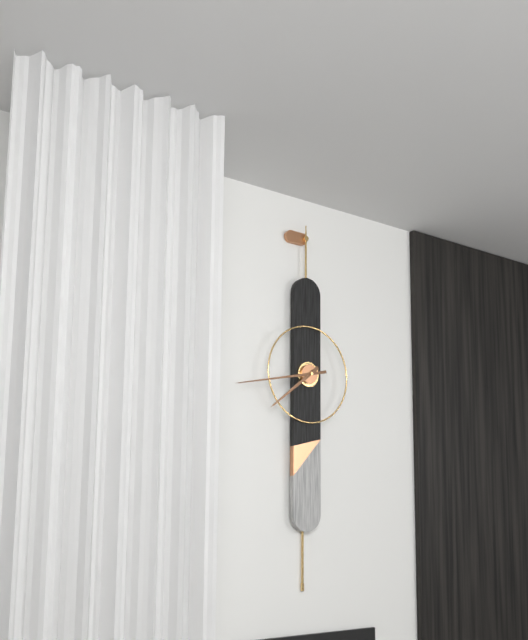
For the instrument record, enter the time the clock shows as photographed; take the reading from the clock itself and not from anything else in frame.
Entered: 7:43
